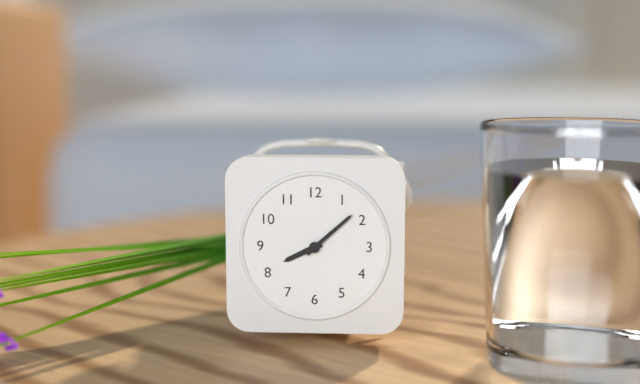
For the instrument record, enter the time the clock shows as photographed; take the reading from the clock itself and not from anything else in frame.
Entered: 8:08
